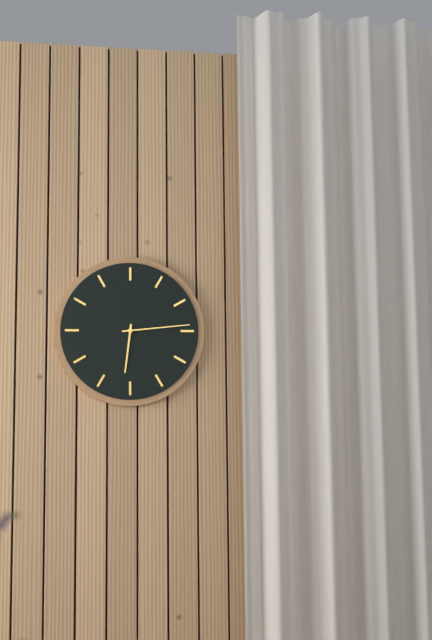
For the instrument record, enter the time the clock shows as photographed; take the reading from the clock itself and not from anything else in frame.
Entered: 6:14
